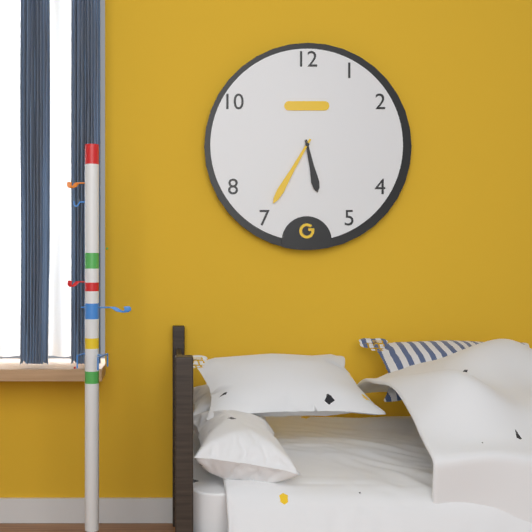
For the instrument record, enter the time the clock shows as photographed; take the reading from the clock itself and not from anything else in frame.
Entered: 5:35
